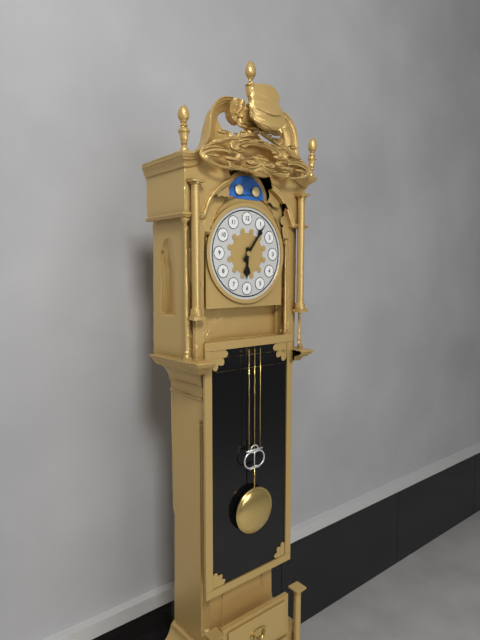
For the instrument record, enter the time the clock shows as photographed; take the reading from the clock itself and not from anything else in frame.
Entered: 6:06
